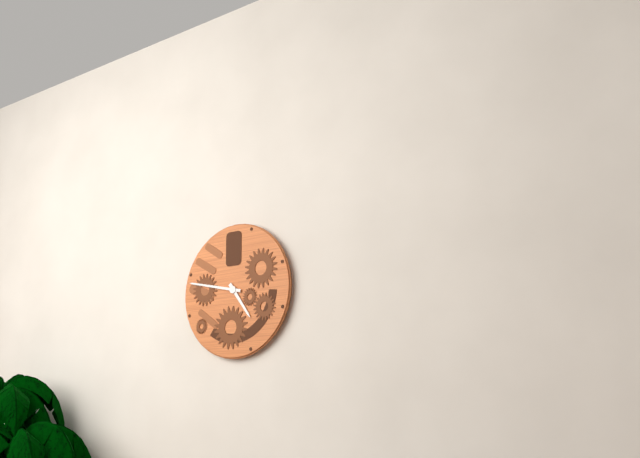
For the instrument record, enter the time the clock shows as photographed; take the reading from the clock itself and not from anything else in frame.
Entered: 4:47
